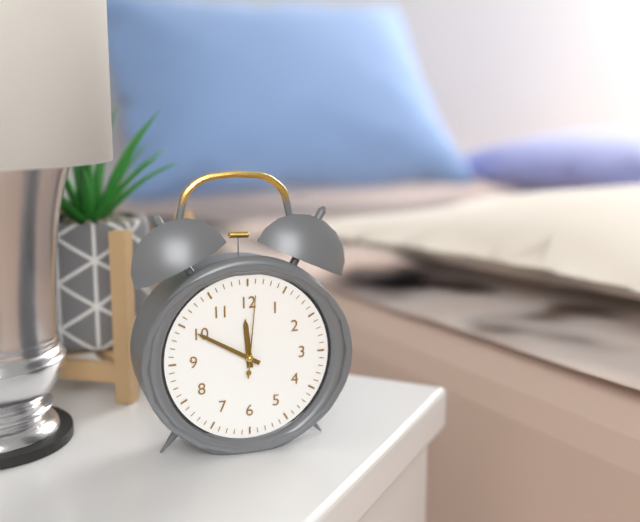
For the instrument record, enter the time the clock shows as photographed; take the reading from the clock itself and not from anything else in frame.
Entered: 11:50:01
